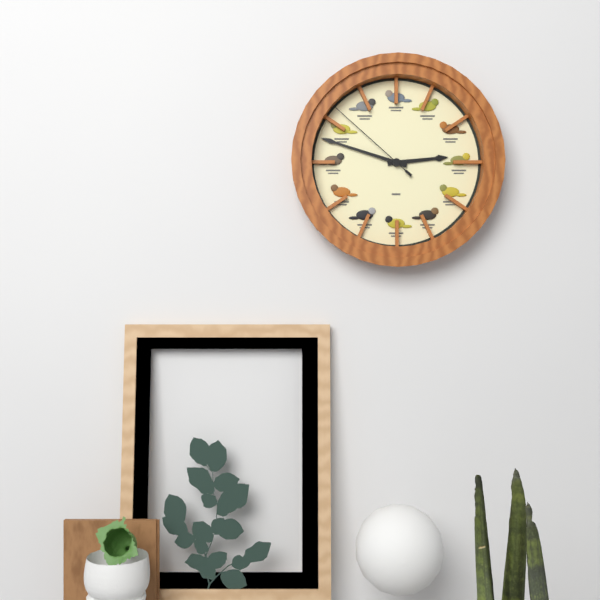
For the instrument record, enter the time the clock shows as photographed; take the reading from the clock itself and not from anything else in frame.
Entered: 2:48:52
